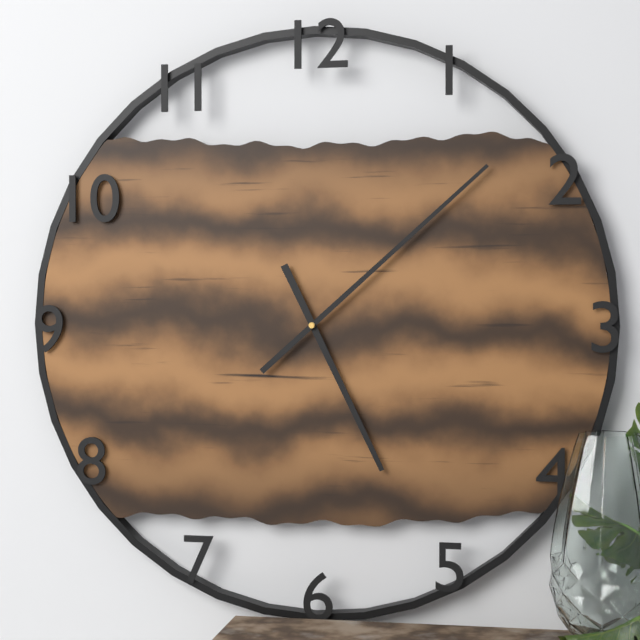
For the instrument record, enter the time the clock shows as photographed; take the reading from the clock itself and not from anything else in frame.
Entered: 5:08
